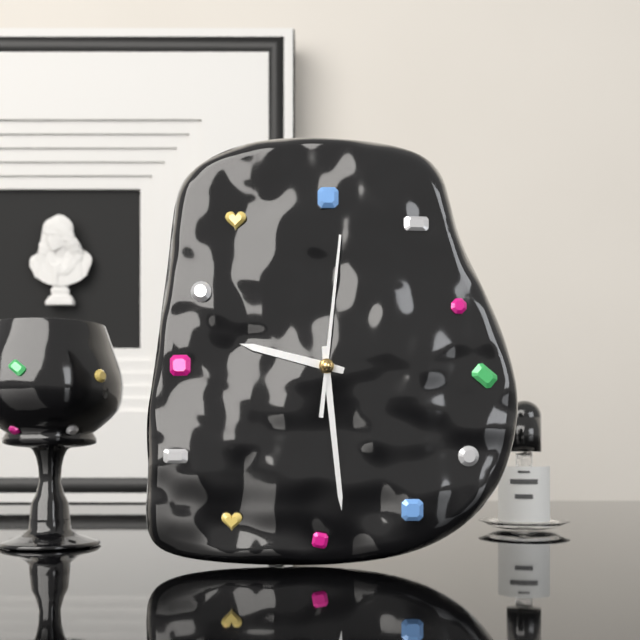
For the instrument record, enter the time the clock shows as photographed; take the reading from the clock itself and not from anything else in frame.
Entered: 9:29:01
